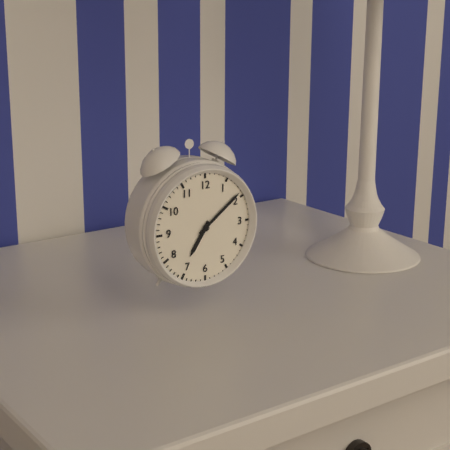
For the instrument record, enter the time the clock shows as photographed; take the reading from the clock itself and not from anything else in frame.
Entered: 7:09
